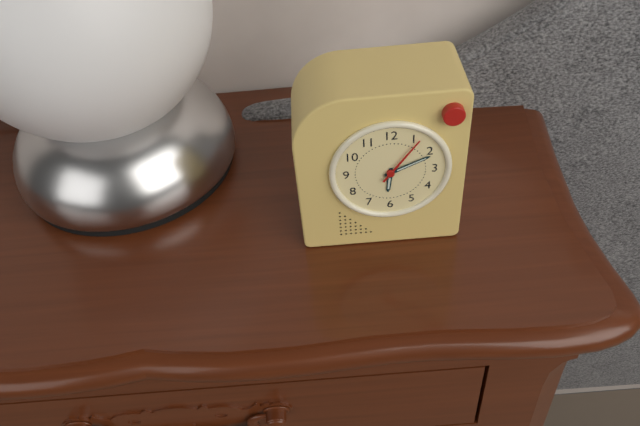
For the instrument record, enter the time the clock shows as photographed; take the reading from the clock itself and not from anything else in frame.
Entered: 6:11:06
